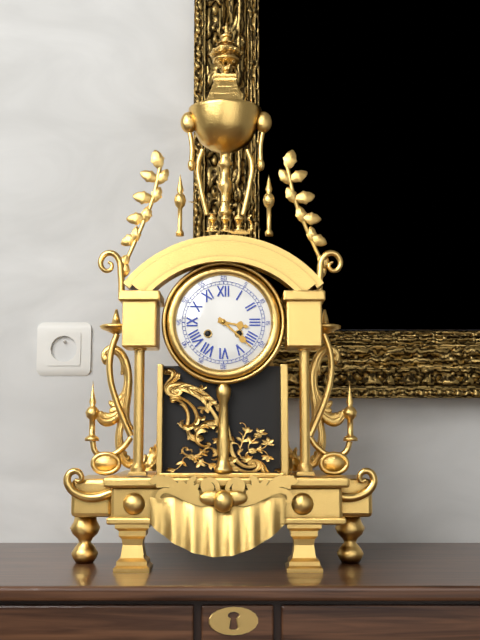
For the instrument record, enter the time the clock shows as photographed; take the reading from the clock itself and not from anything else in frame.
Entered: 3:22
